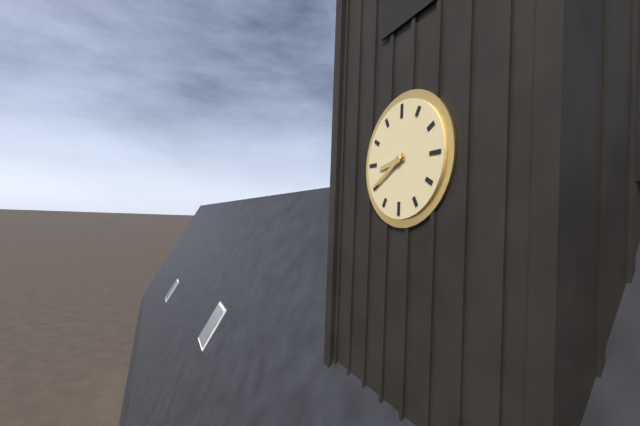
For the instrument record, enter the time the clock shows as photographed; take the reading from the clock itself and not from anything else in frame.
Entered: 8:40
